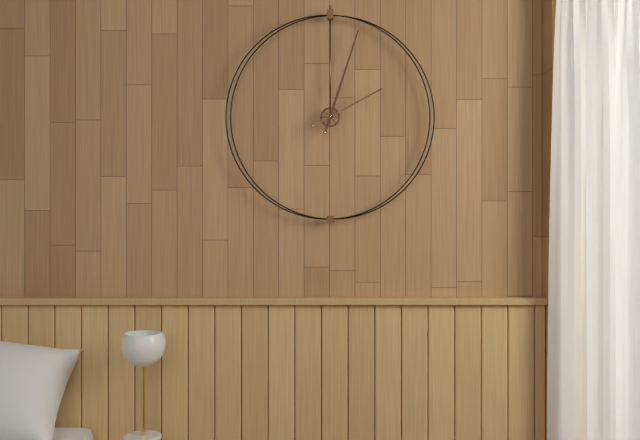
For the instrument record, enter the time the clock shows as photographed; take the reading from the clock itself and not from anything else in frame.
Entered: 2:03
